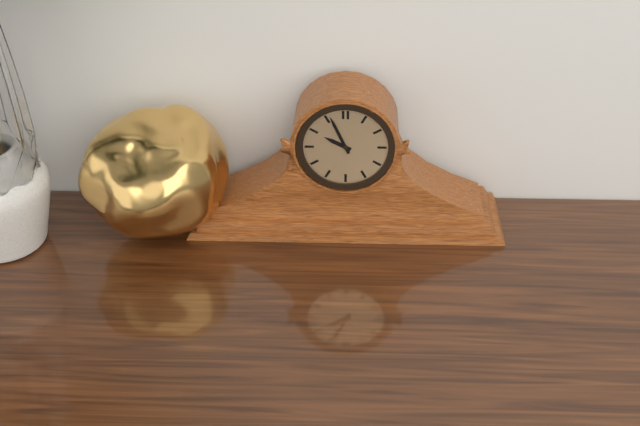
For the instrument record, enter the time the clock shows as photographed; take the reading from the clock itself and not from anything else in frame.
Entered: 9:56
